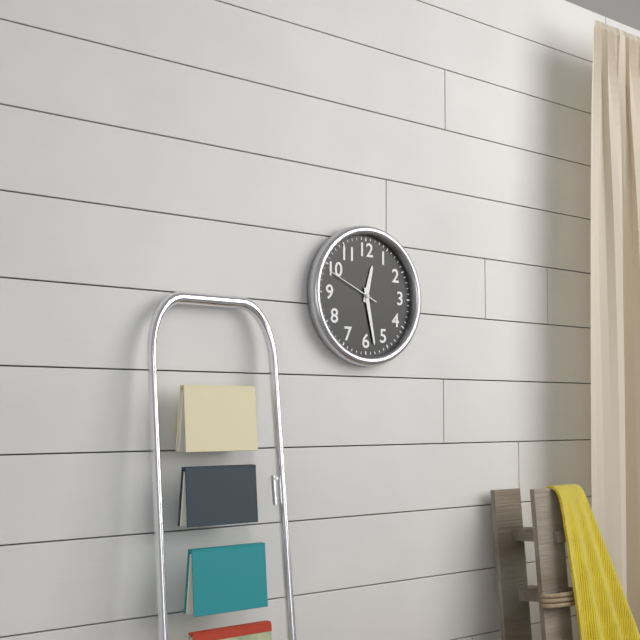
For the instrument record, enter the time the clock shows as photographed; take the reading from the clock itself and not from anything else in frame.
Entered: 12:28:49
